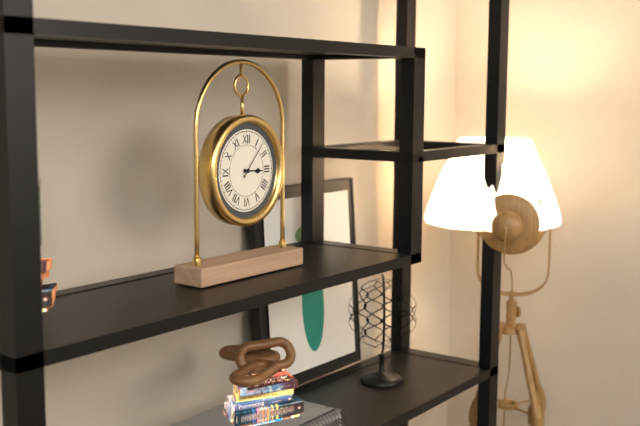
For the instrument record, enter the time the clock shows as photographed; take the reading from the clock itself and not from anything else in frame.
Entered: 3:07
